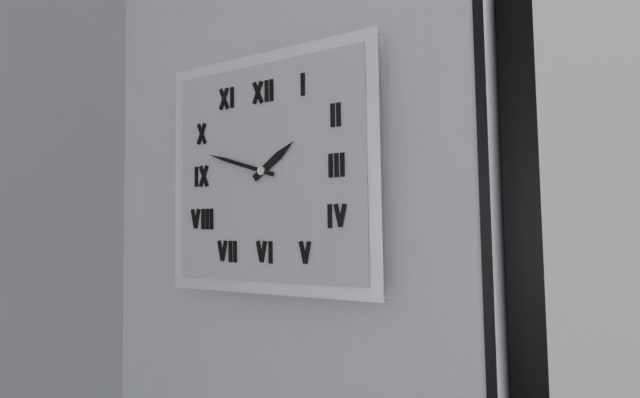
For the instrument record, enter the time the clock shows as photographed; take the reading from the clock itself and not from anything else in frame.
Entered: 1:48
